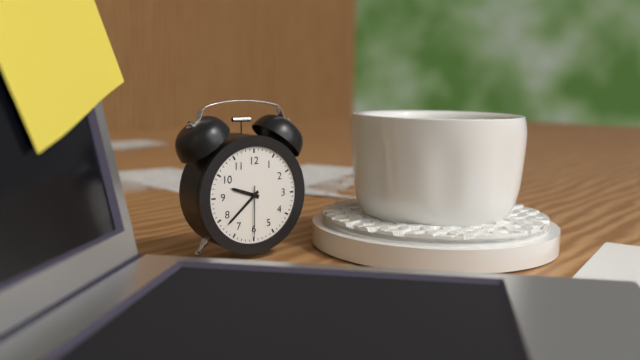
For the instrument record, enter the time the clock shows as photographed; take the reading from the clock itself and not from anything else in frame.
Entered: 9:38:30
